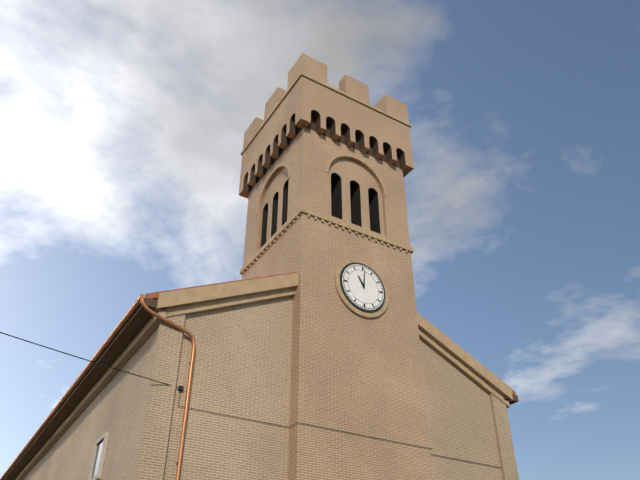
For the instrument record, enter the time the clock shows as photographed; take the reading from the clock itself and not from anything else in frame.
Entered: 11:01
